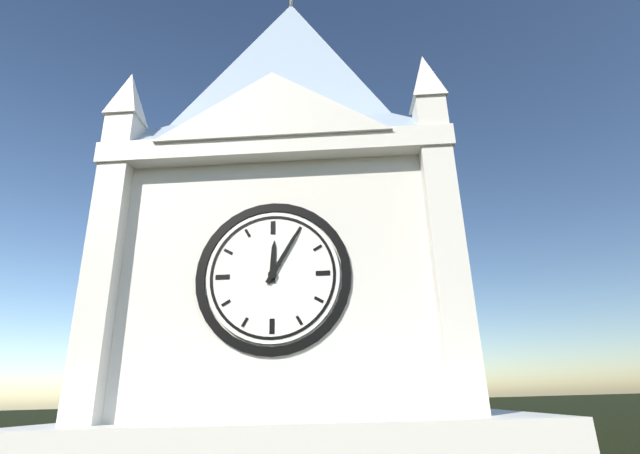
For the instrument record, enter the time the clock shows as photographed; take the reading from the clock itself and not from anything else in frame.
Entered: 12:05
